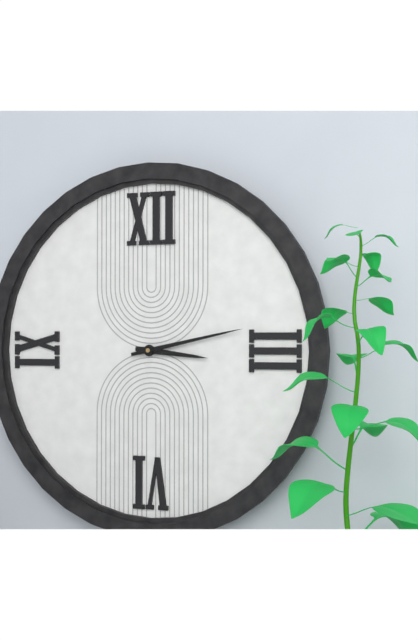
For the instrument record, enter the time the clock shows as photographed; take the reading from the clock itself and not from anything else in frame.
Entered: 3:13
